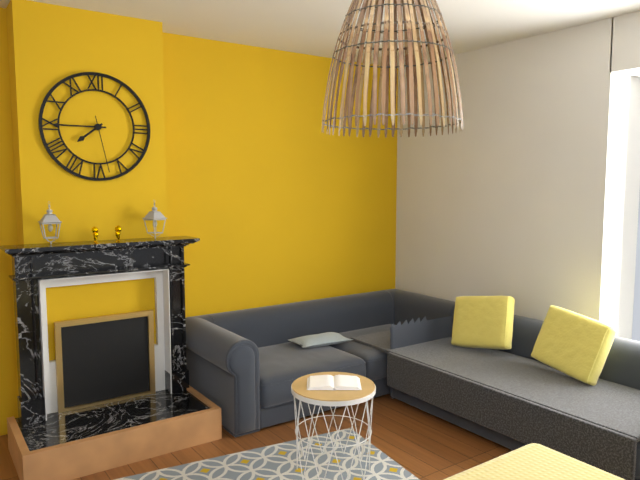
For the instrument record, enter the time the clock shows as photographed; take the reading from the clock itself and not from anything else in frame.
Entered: 7:45:28
